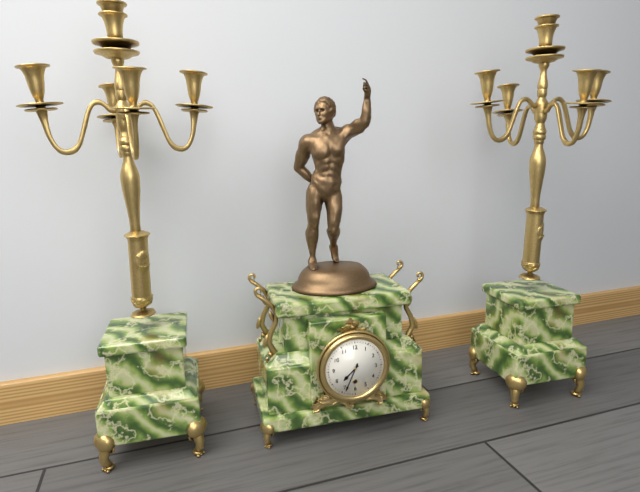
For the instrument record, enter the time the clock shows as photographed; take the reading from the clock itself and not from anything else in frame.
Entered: 7:34
